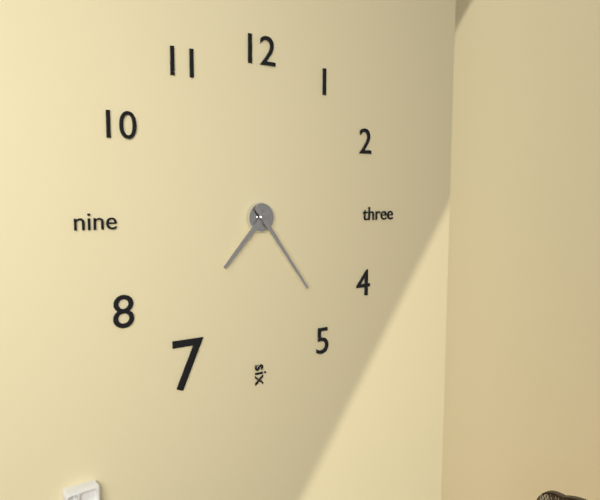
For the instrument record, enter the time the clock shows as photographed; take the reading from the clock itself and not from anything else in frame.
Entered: 7:24
